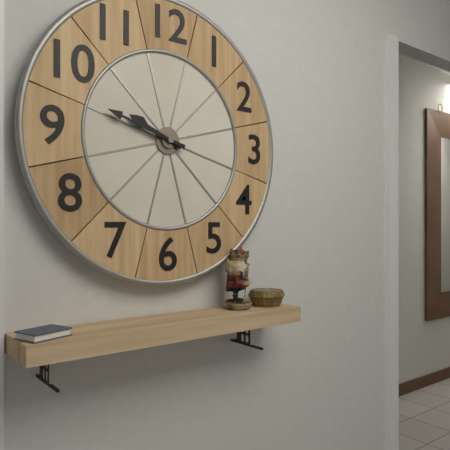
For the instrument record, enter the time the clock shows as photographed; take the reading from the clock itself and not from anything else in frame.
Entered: 9:48
